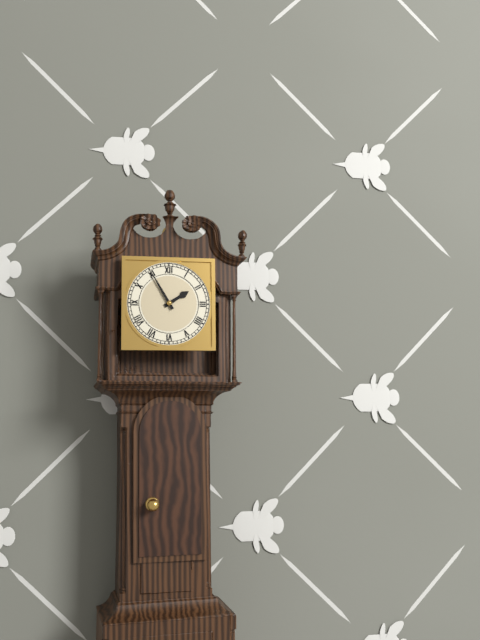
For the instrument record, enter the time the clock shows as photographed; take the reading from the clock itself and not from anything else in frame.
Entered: 1:55
